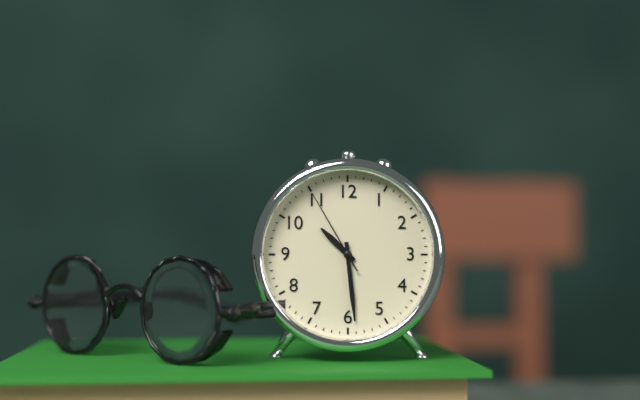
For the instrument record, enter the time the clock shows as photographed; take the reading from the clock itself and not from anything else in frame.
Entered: 10:29:55
